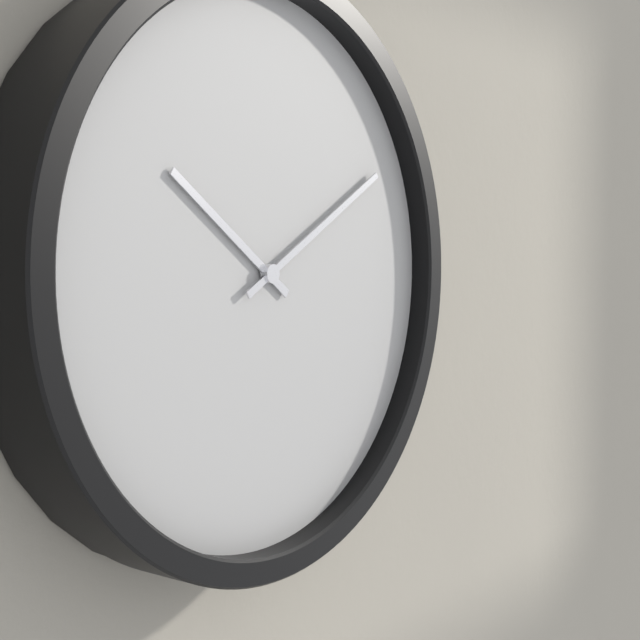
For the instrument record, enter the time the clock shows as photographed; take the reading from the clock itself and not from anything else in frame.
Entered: 10:10
